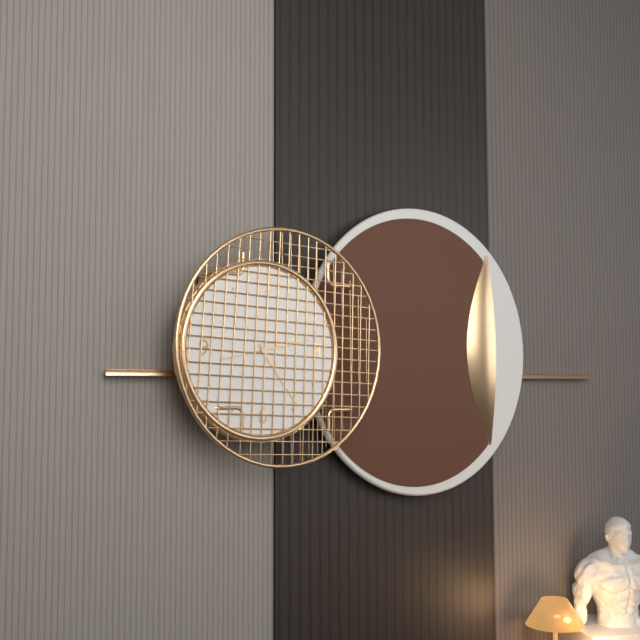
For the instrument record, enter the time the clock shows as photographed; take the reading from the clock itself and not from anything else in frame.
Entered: 2:24:13
